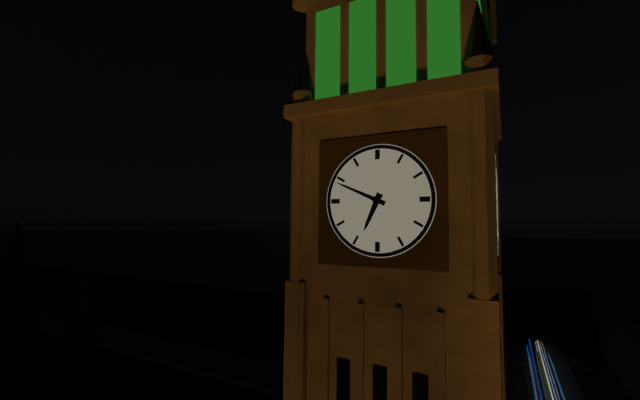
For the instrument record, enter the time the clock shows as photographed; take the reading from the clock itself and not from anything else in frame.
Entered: 6:49
